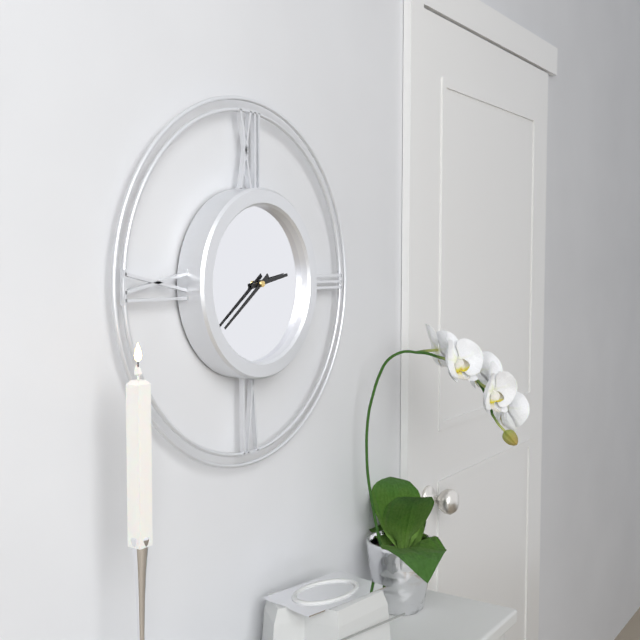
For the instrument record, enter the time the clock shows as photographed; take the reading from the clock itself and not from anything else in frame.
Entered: 2:39
